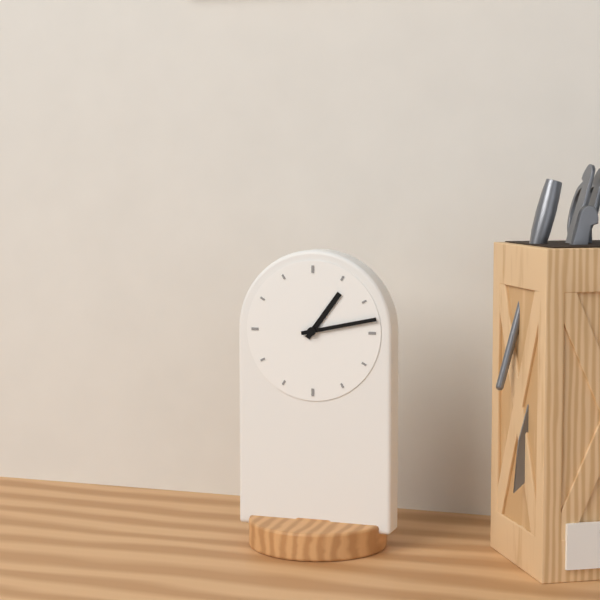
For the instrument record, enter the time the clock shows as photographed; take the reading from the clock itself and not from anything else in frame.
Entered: 1:13
